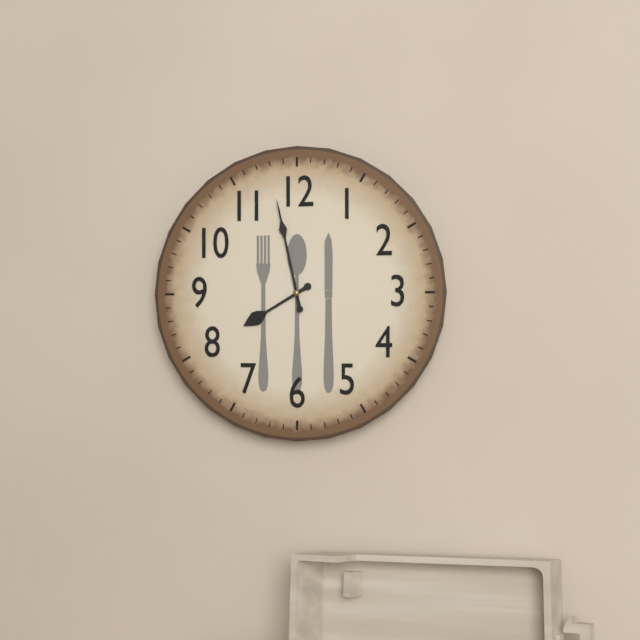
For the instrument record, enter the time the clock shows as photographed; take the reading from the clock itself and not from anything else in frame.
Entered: 7:58
